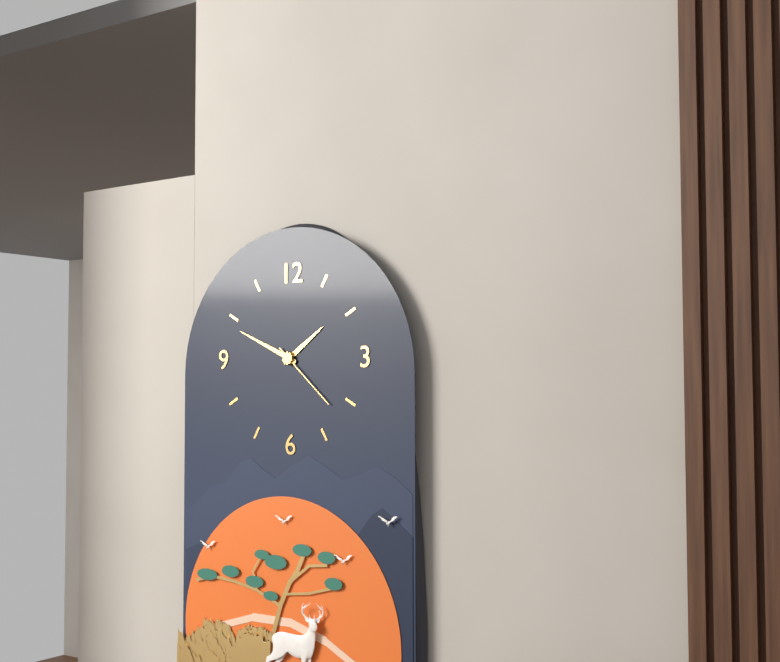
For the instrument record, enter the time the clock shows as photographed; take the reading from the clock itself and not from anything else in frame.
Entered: 1:49:22
